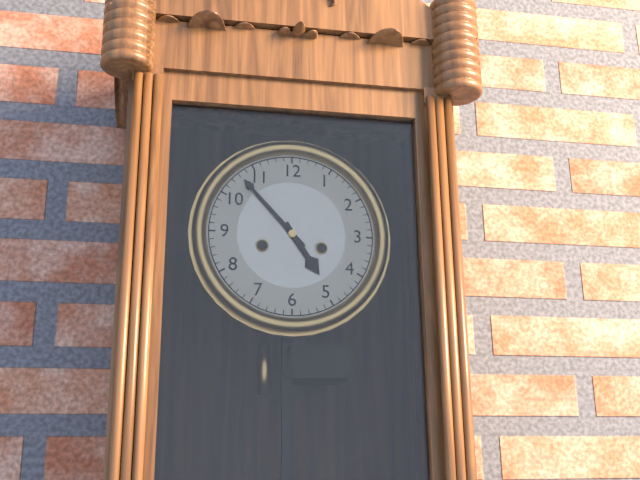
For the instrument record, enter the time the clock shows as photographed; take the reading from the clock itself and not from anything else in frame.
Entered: 4:53
